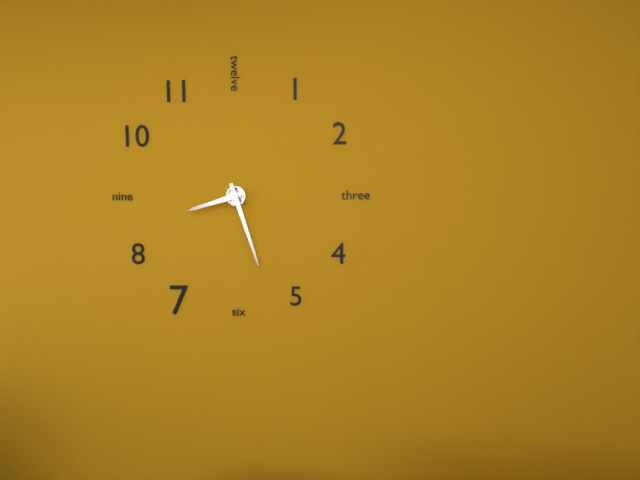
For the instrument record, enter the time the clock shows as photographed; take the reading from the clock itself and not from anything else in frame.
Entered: 8:27
